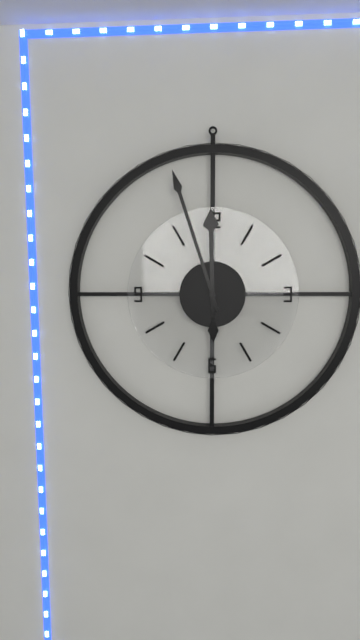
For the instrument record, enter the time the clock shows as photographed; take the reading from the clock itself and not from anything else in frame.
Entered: 11:57
